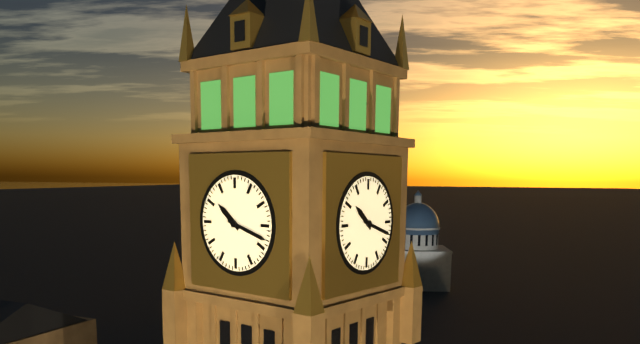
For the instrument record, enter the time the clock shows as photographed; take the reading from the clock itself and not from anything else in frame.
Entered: 10:18
